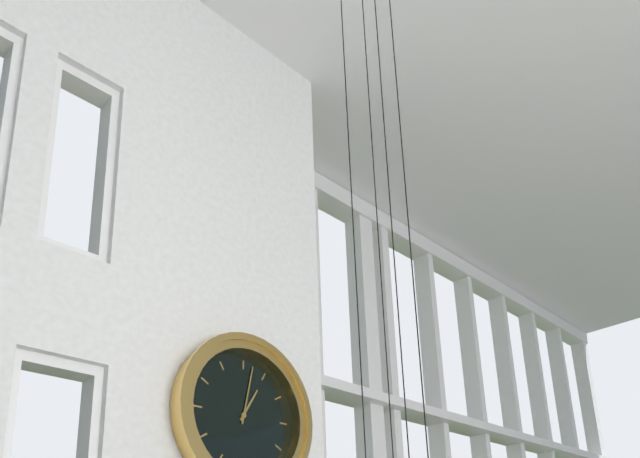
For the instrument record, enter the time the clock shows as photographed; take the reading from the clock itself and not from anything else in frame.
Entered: 1:02
